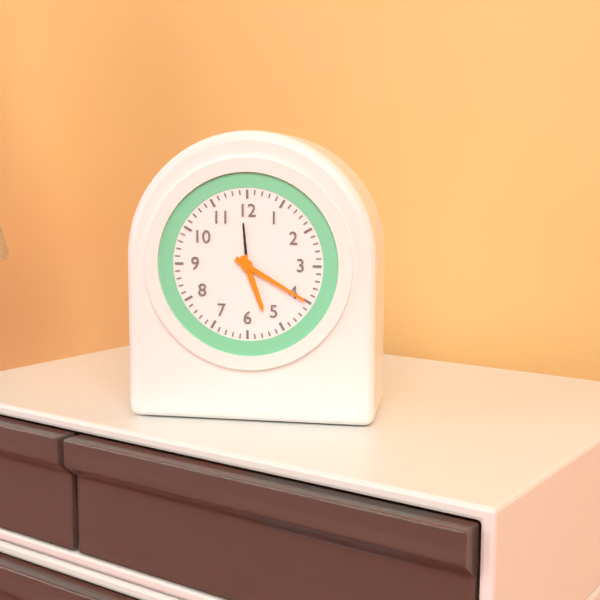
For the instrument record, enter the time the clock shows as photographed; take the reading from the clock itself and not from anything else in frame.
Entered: 5:20
